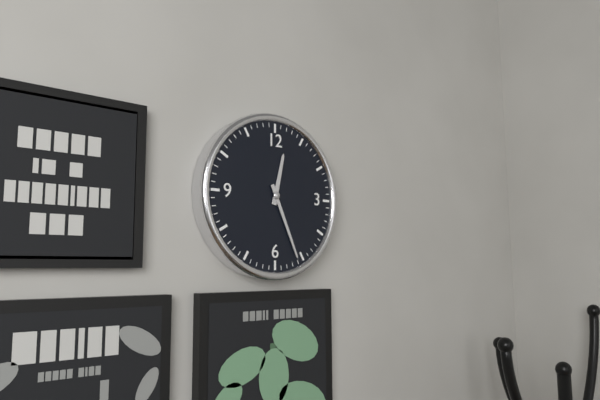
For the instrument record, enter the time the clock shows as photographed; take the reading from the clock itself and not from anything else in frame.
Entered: 12:26
